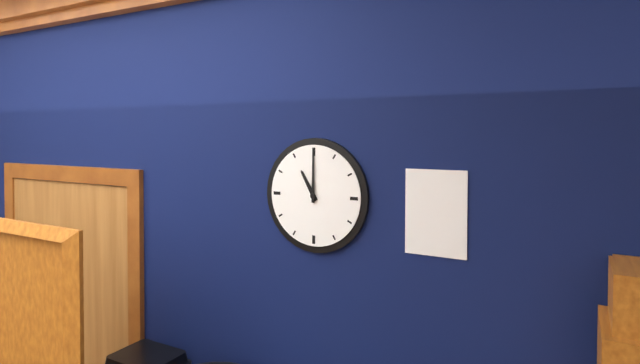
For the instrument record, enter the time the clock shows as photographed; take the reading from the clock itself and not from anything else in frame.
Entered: 11:00
